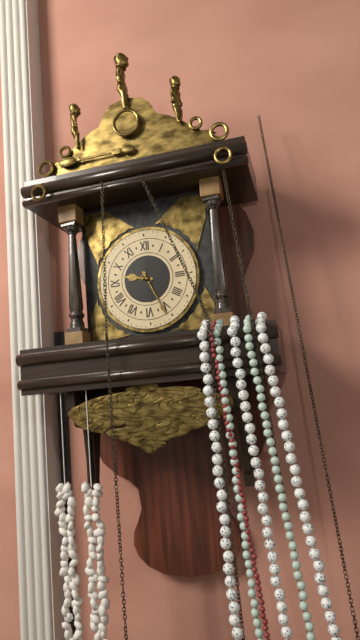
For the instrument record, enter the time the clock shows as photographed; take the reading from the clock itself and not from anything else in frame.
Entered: 9:26
